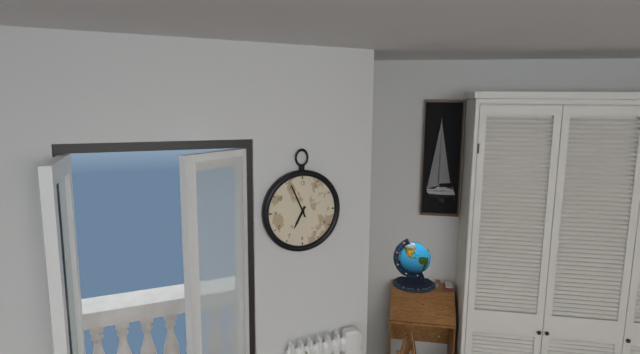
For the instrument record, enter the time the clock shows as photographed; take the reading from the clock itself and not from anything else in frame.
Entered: 6:56
